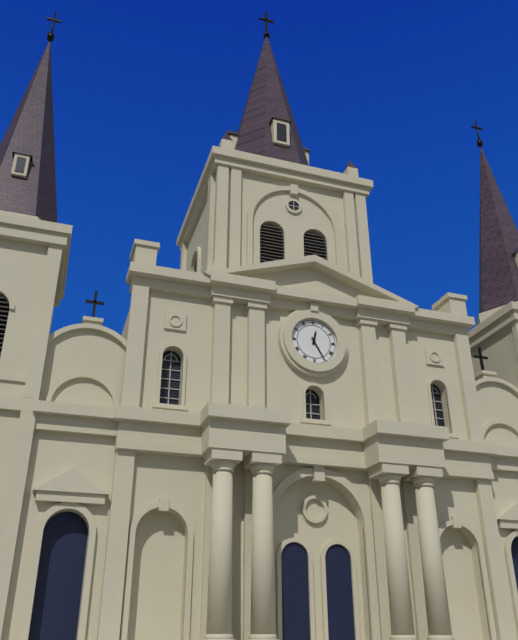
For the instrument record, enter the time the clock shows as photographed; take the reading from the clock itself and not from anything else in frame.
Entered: 12:25
